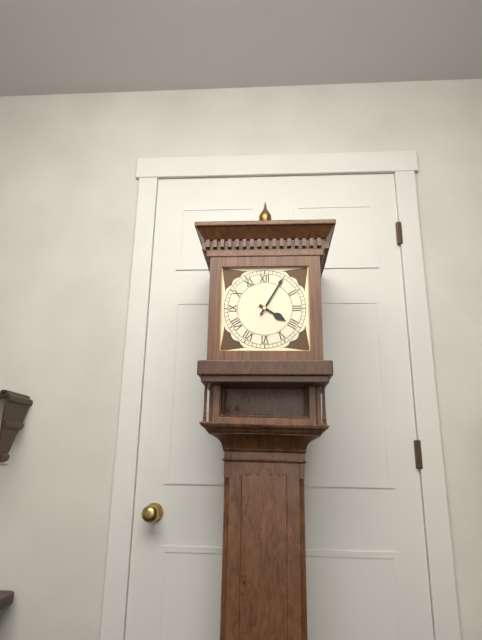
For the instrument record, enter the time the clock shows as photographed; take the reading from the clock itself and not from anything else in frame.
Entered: 4:05
